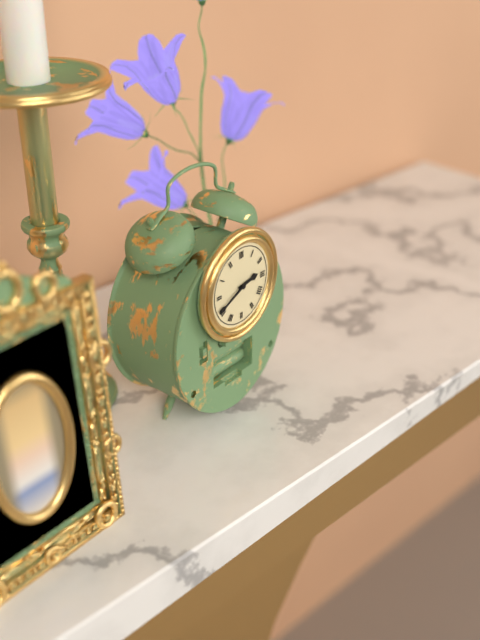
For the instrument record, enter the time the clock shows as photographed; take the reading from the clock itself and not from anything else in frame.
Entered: 2:41
